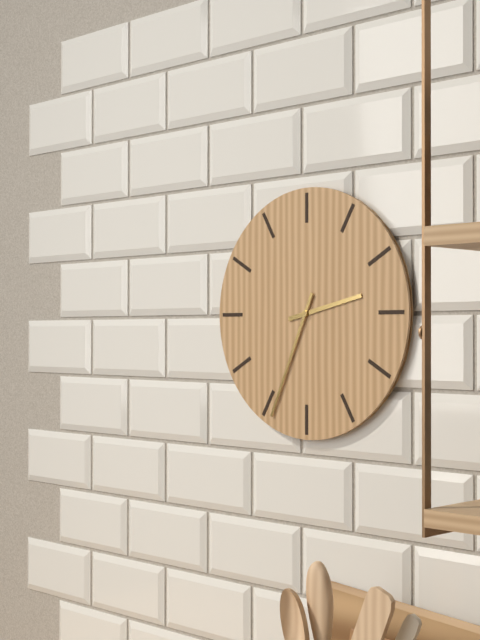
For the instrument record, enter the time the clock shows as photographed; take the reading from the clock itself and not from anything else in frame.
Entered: 2:34
